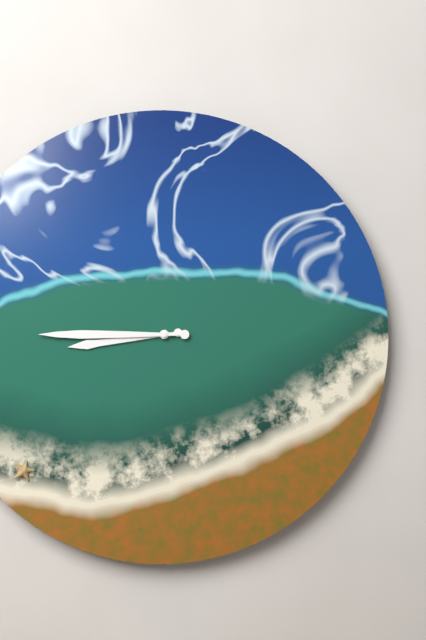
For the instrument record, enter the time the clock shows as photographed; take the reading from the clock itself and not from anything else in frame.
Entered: 8:45
